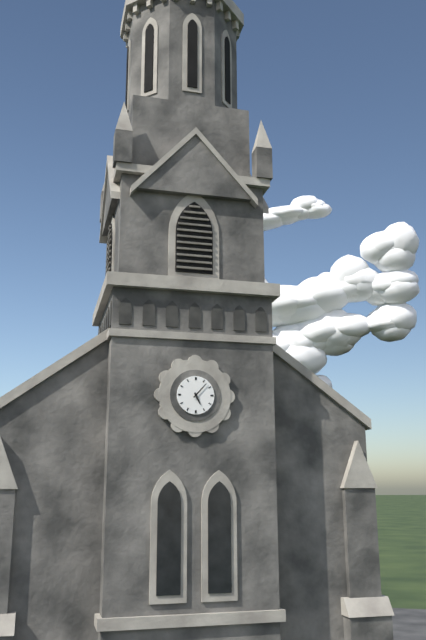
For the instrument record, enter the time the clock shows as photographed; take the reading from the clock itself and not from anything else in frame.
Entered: 5:07
